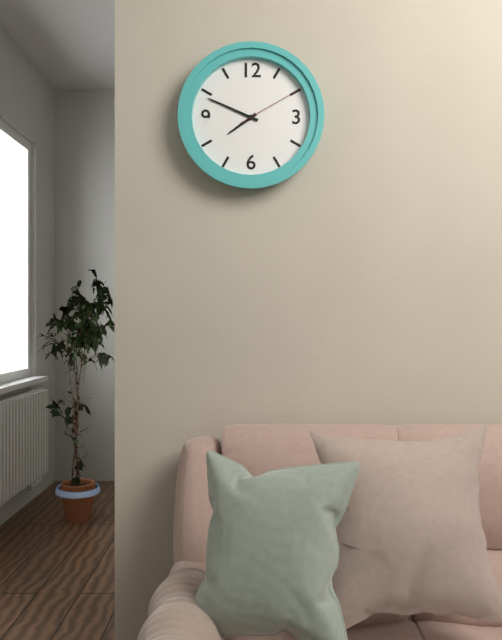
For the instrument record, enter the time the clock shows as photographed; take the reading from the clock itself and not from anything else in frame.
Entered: 7:49:10
